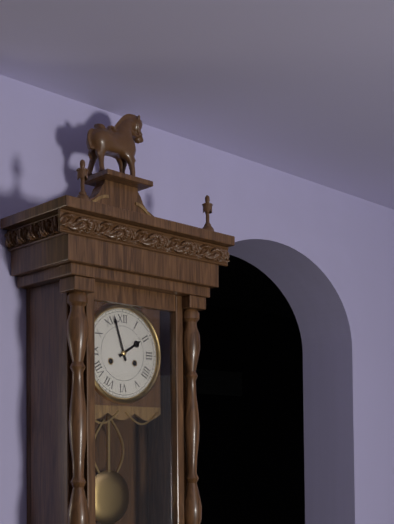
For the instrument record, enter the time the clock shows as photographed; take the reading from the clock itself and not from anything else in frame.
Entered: 1:57
